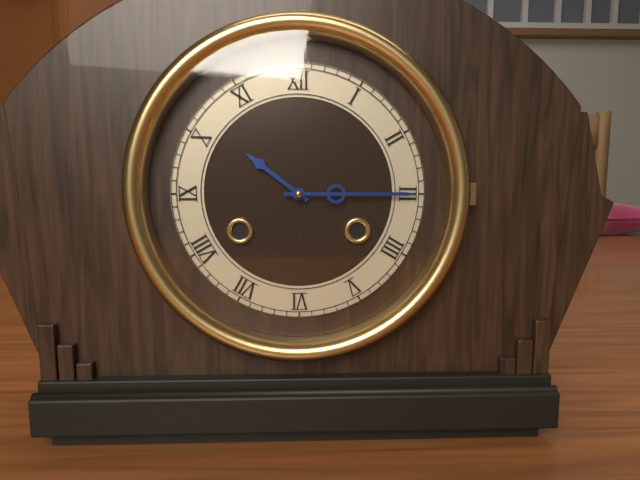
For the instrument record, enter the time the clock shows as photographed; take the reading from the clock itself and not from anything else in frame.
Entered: 10:15
